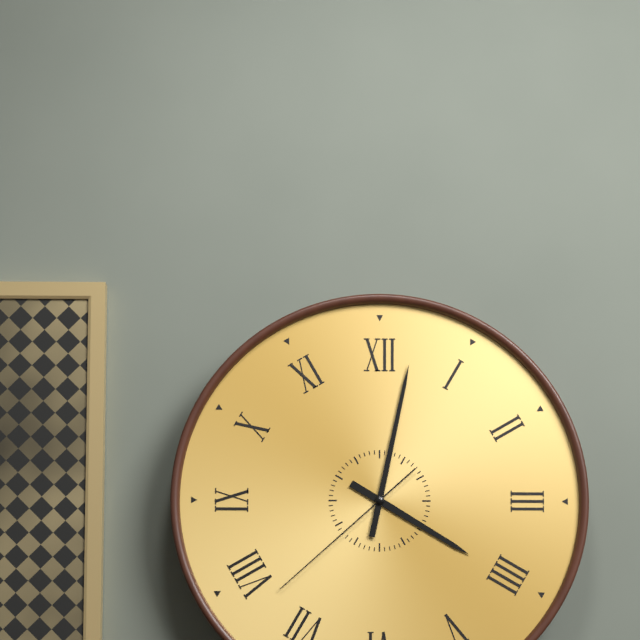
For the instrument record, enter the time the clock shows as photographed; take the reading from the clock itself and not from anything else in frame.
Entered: 4:02:38
